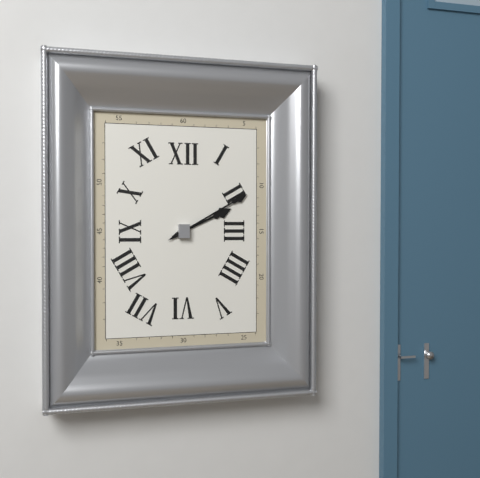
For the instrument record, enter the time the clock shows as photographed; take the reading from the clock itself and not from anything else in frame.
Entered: 2:10
